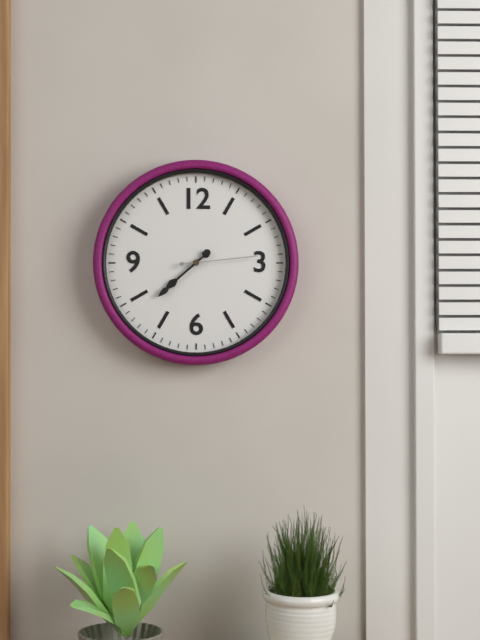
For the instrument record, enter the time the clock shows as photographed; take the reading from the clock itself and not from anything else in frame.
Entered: 7:38:14
